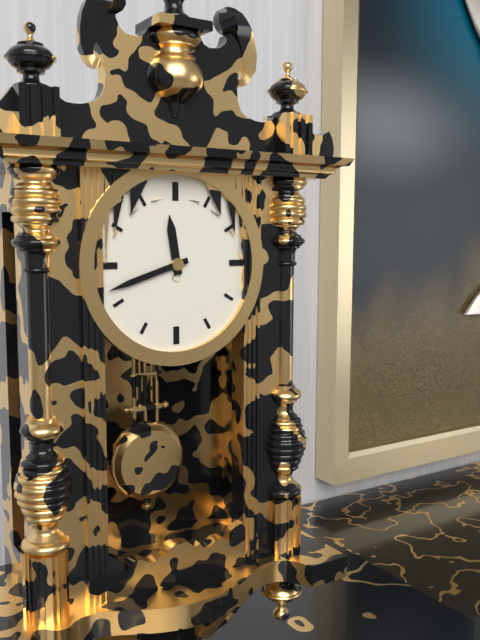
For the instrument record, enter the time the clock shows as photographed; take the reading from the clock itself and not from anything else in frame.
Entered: 11:42
